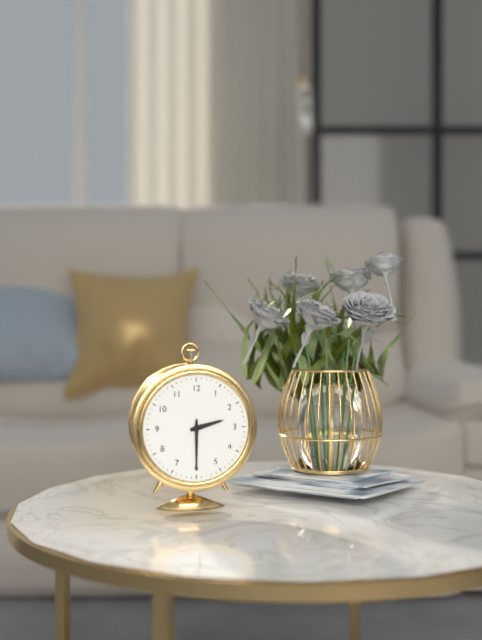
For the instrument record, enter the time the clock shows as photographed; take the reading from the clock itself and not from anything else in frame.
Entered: 2:30
